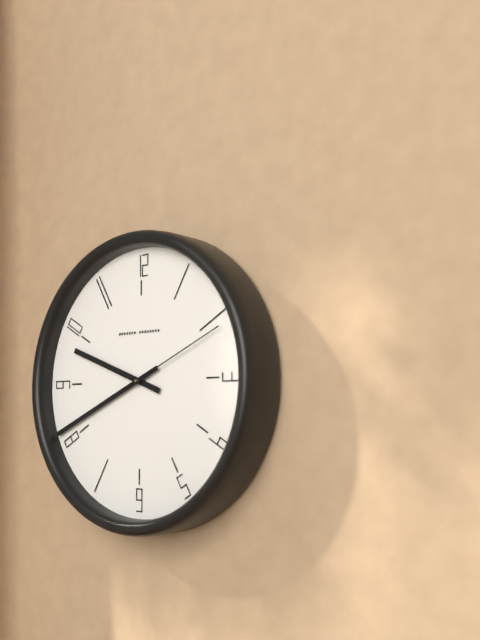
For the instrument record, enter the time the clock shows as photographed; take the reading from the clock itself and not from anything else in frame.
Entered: 9:41:11
